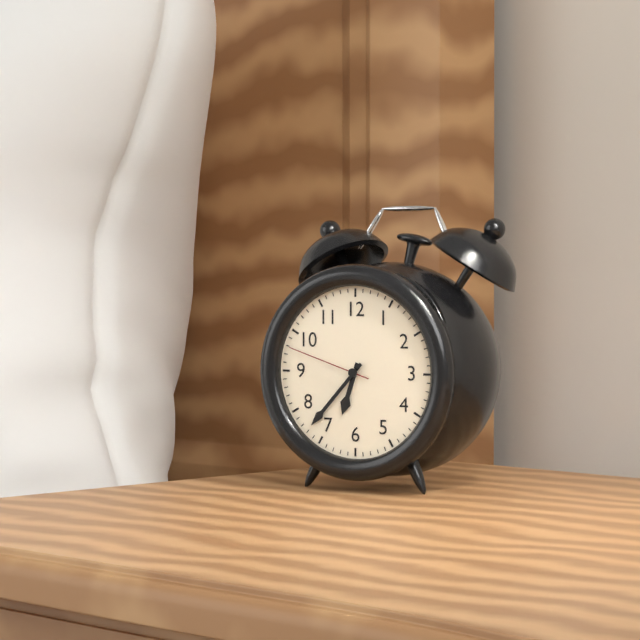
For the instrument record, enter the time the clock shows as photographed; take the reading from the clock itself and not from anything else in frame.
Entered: 6:37:48
